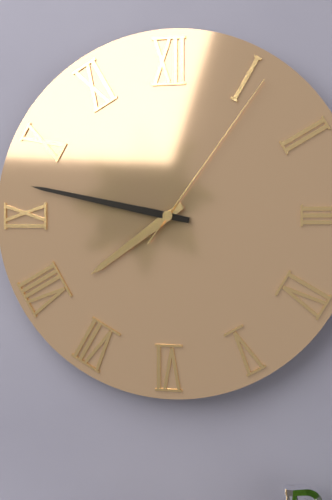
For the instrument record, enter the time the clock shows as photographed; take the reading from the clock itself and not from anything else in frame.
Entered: 7:47:06
